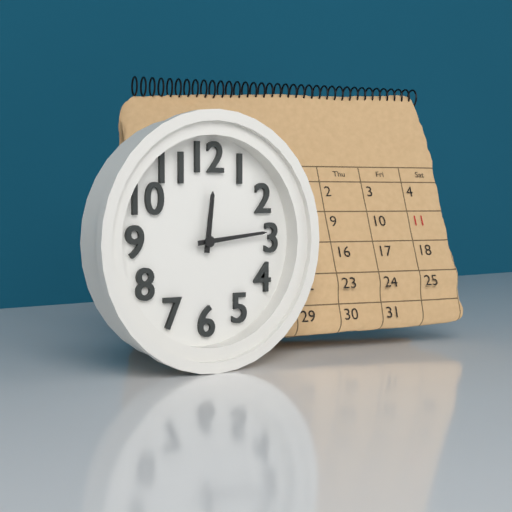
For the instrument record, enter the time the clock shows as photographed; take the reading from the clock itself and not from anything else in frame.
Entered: 12:14
